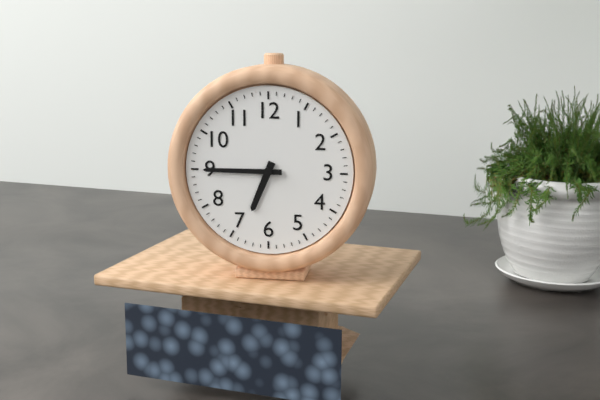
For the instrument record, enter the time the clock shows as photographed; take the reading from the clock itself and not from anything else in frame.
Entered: 6:45
